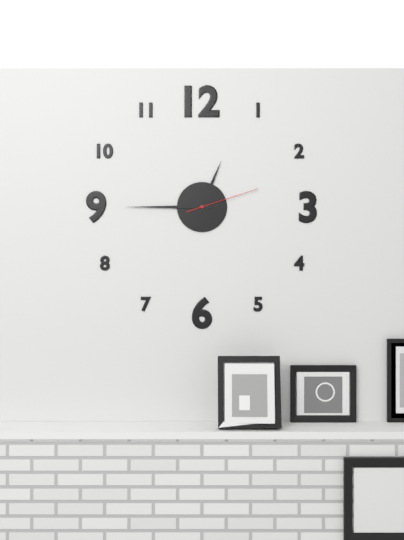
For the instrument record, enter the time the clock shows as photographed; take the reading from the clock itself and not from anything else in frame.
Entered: 12:45:12
